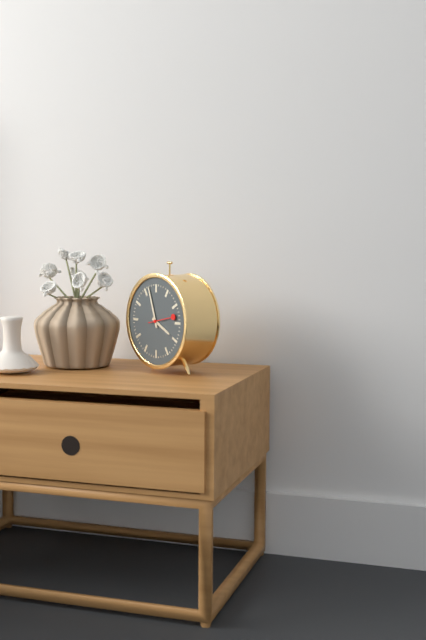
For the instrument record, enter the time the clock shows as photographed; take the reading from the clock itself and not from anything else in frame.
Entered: 3:57
